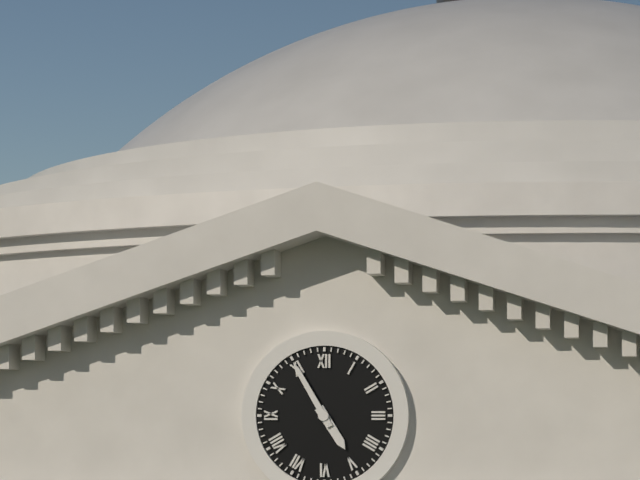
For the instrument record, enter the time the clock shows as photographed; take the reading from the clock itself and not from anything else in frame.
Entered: 4:55
